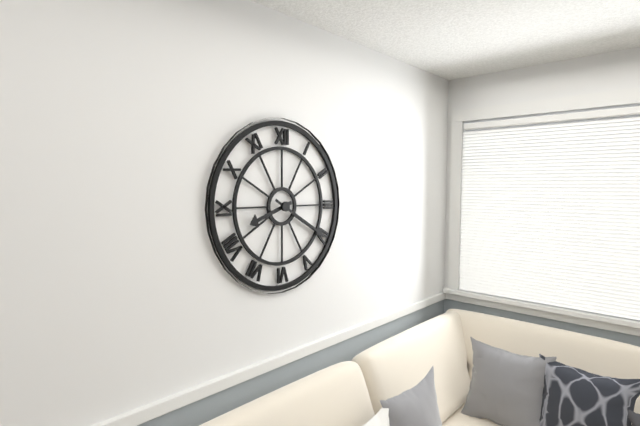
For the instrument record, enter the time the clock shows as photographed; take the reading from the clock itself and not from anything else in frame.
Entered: 8:20
